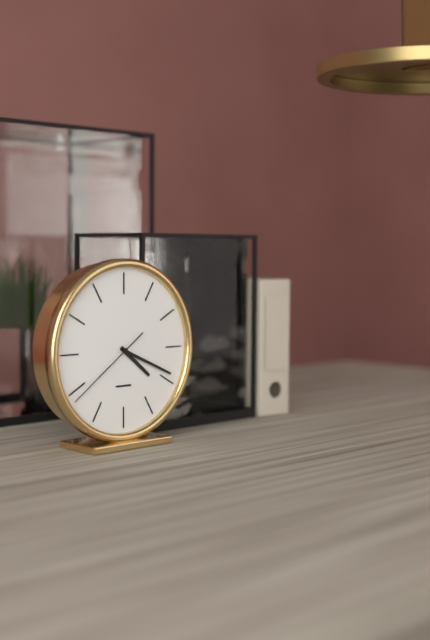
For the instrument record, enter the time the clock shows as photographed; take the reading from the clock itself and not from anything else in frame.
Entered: 4:19:39
